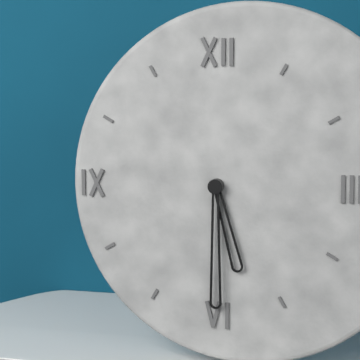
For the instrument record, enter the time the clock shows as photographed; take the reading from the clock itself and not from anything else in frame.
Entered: 5:30
